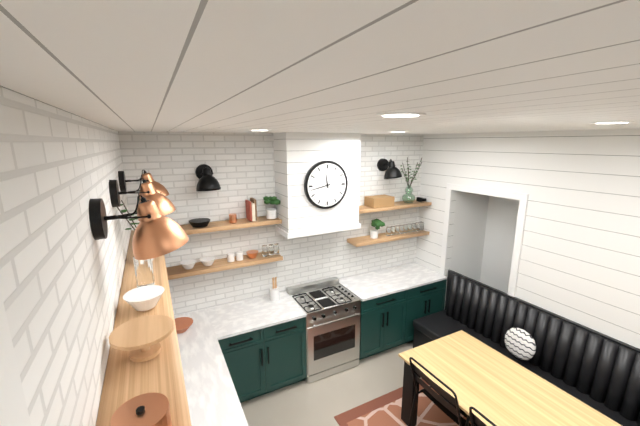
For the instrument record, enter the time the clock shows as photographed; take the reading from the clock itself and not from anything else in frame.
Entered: 11:43
